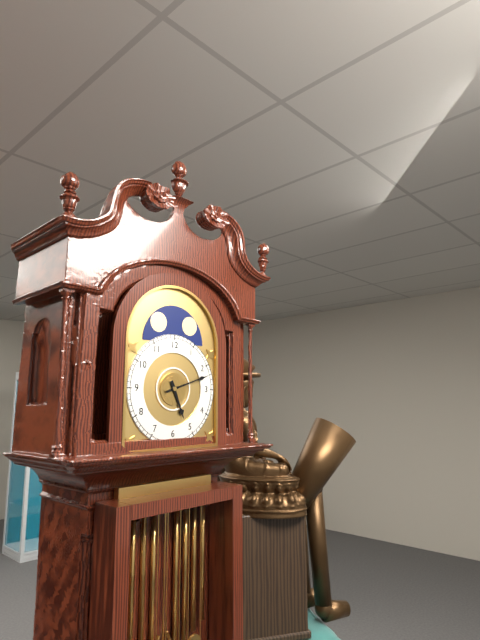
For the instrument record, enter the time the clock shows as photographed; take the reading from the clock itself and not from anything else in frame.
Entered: 5:12
